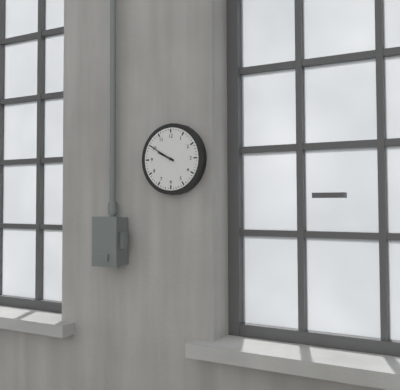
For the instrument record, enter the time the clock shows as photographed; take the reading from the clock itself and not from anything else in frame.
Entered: 9:50
